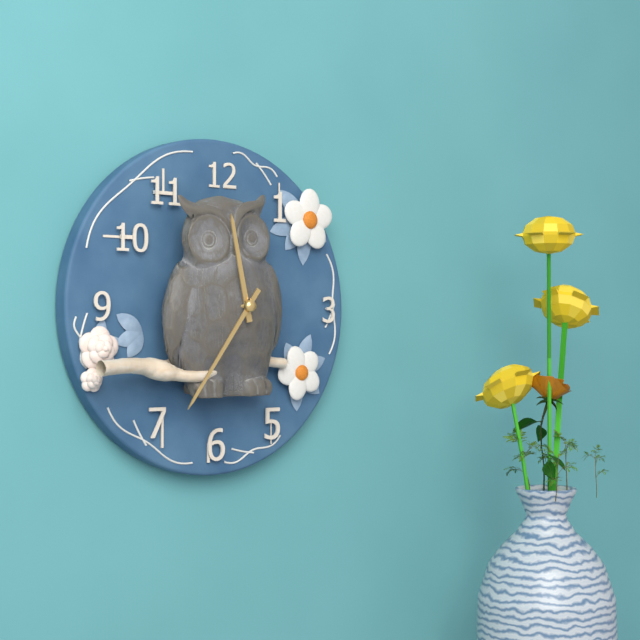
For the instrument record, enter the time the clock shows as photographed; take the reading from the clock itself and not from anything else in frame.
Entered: 11:36
